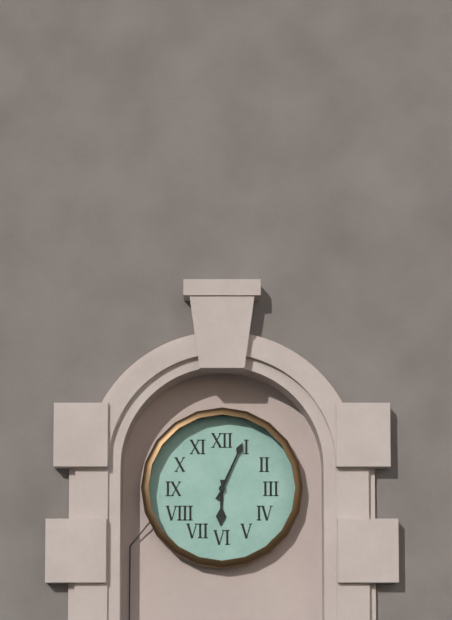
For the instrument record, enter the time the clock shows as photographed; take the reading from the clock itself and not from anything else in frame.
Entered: 6:04
